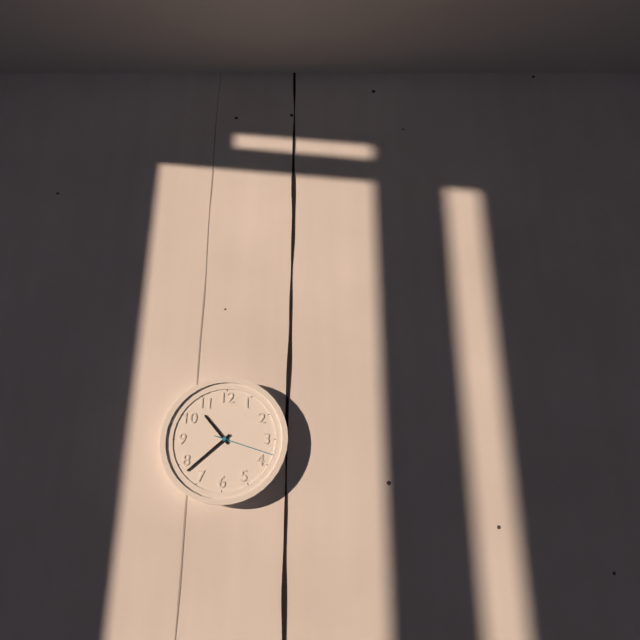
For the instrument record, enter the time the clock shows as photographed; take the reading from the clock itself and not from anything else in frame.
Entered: 10:38:18
